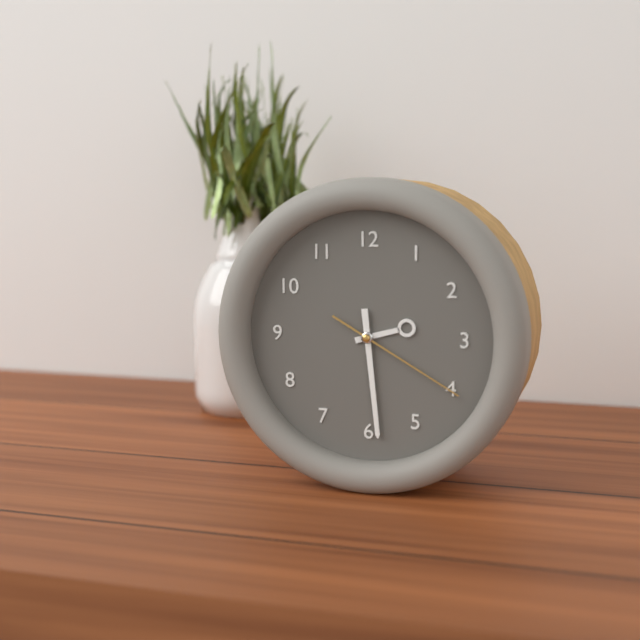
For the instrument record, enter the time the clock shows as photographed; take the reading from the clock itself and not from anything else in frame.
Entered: 2:29:20
